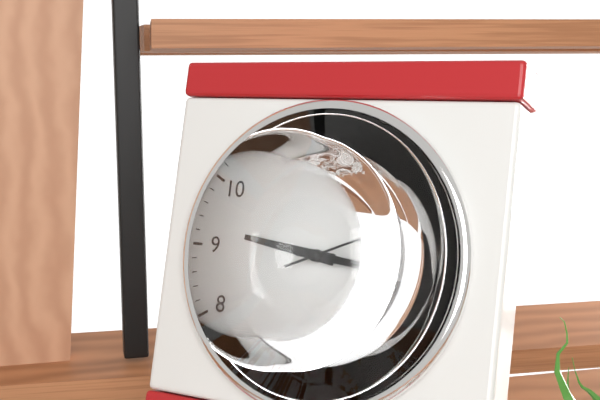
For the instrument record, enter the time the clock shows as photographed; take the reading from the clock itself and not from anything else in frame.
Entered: 9:16:11
